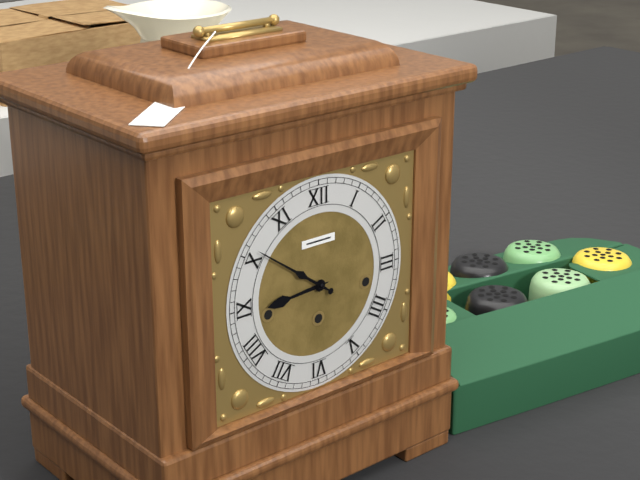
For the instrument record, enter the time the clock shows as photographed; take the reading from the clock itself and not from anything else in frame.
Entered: 8:51
